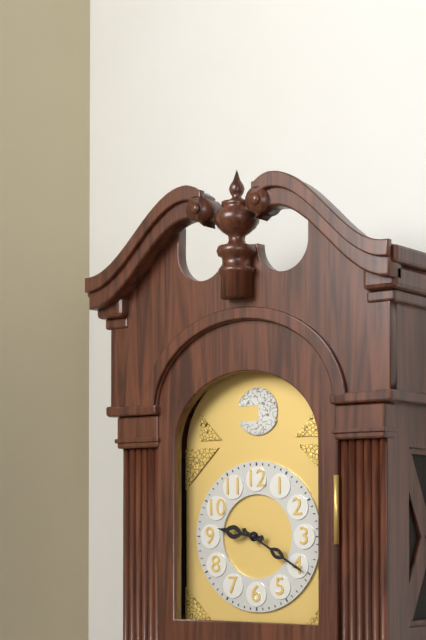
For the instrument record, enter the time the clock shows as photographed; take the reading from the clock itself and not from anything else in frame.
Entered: 9:20
